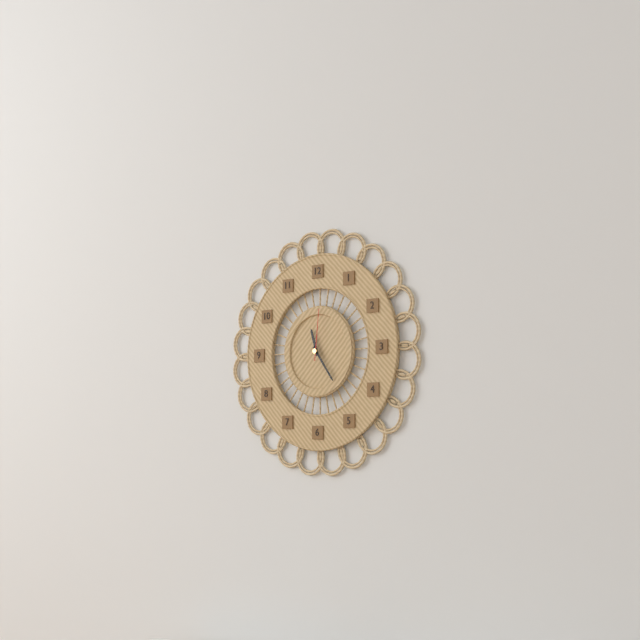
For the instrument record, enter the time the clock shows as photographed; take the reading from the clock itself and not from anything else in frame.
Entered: 11:24:01
